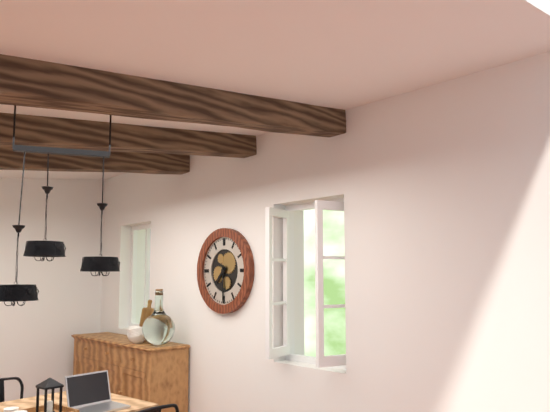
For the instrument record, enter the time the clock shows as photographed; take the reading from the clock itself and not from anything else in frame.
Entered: 7:30
